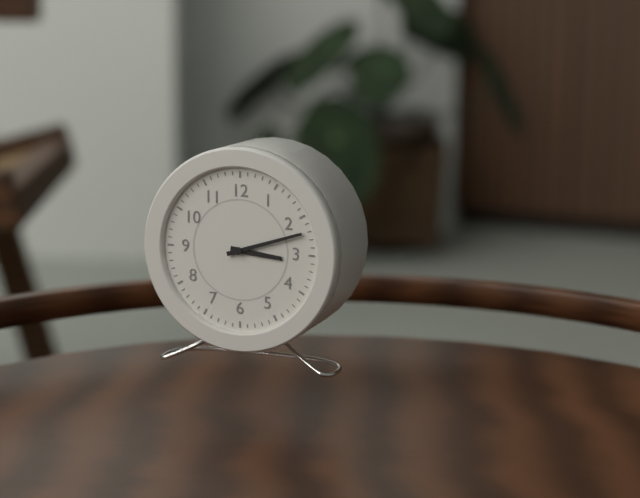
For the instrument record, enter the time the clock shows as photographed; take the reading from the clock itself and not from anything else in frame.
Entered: 3:12
